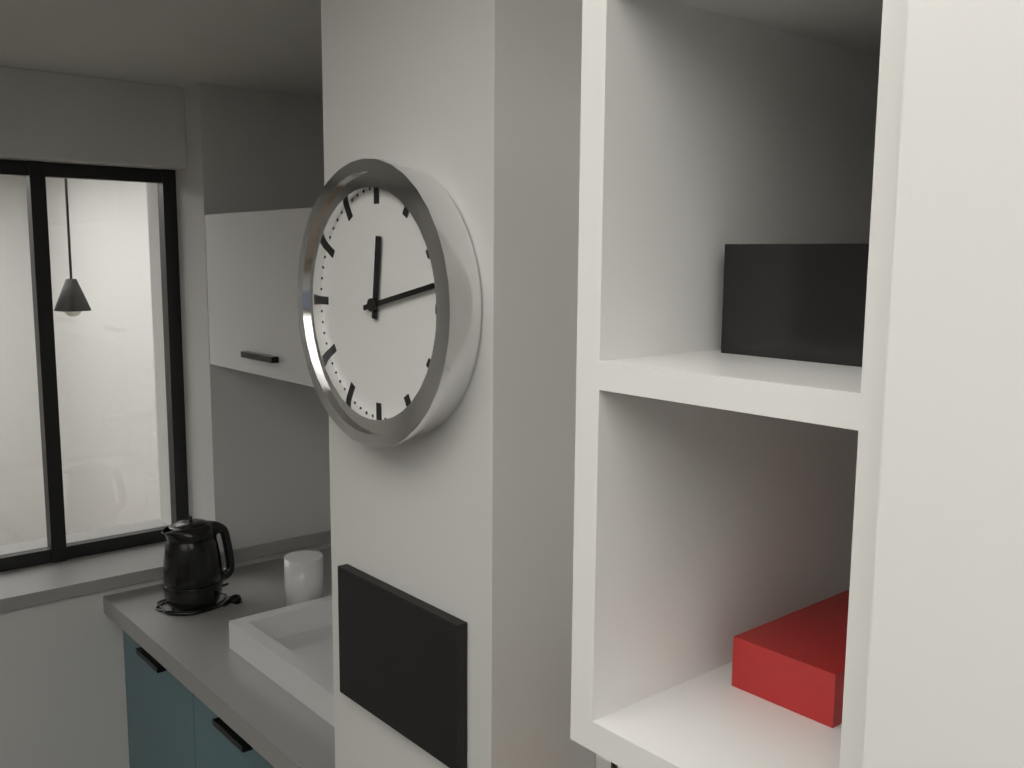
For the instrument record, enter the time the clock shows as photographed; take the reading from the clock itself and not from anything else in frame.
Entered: 12:13
